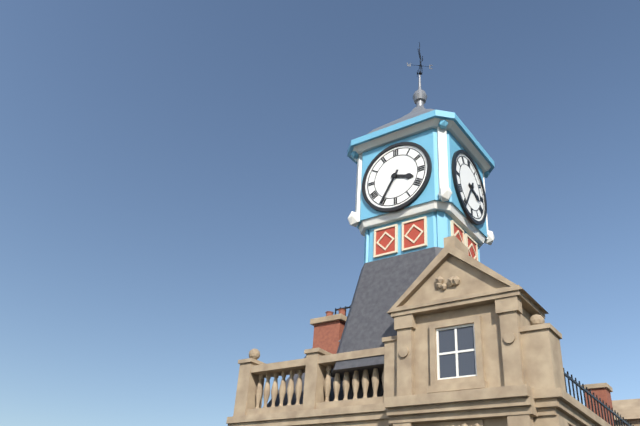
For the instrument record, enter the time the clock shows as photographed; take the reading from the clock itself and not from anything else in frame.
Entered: 3:35
